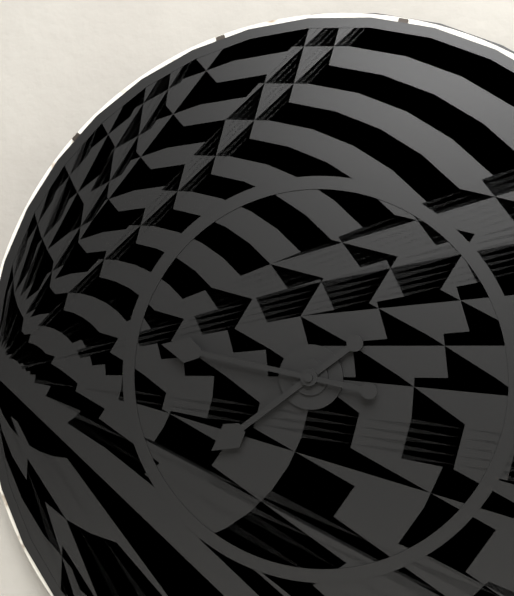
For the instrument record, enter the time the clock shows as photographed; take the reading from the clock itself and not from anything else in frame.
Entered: 7:47
